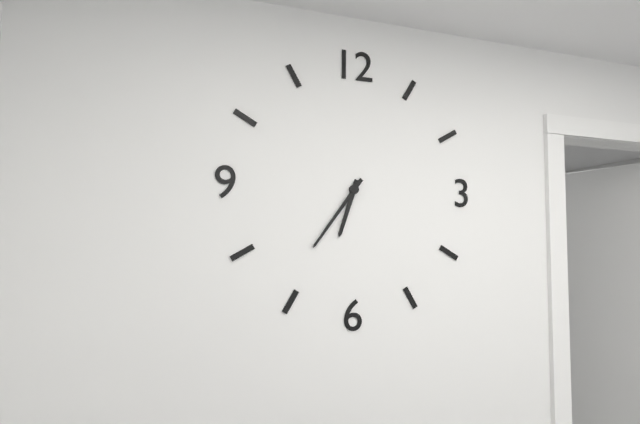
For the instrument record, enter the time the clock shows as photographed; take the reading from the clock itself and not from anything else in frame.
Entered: 6:36
